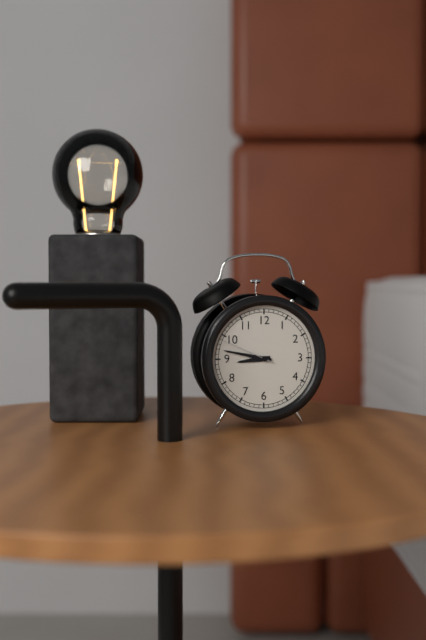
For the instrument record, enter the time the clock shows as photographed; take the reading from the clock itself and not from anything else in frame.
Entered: 8:47:49
